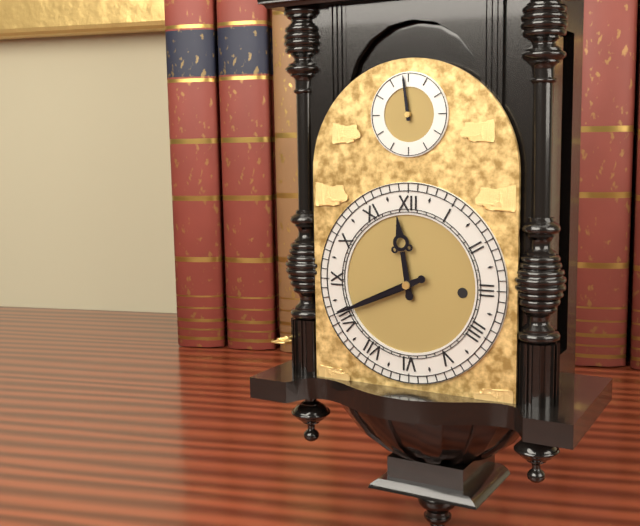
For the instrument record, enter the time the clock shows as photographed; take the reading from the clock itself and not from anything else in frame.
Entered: 11:41
